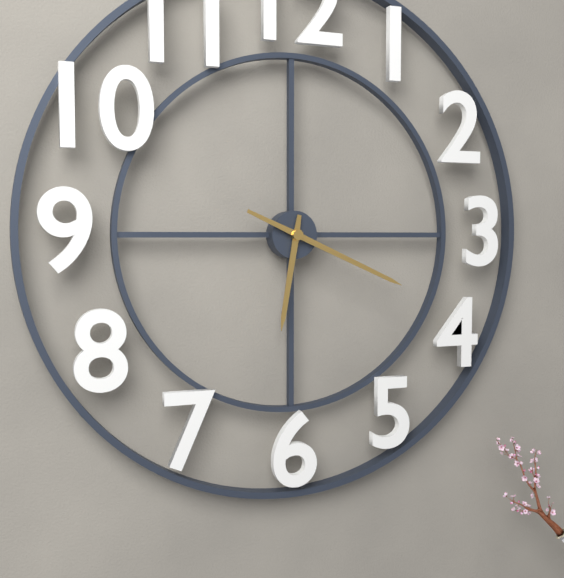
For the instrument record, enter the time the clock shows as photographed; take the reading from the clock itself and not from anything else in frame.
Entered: 6:19
